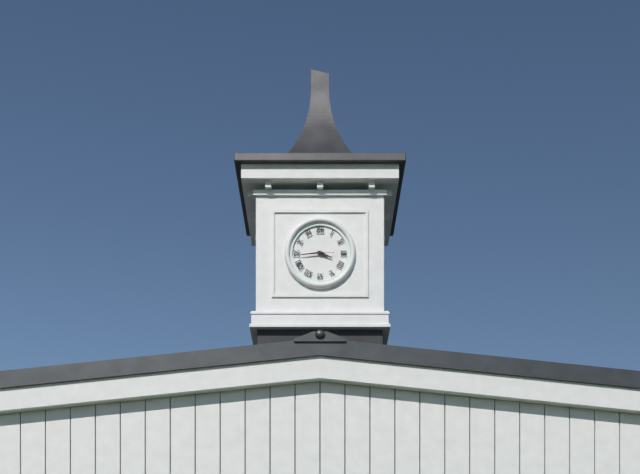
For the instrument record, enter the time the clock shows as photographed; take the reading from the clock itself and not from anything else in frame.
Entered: 3:44
